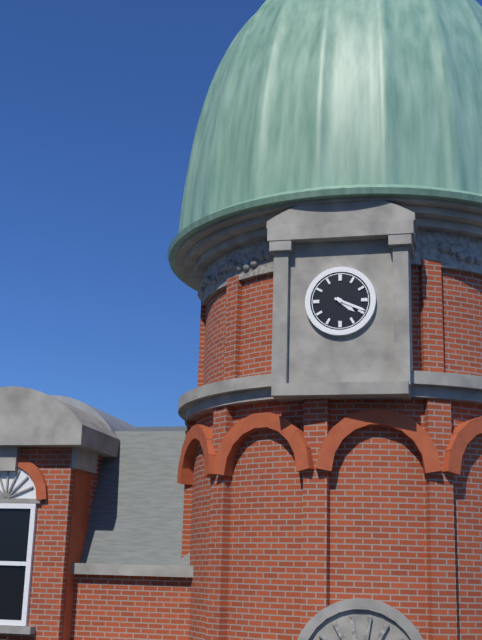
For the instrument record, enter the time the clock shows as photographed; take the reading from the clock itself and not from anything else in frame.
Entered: 4:19
